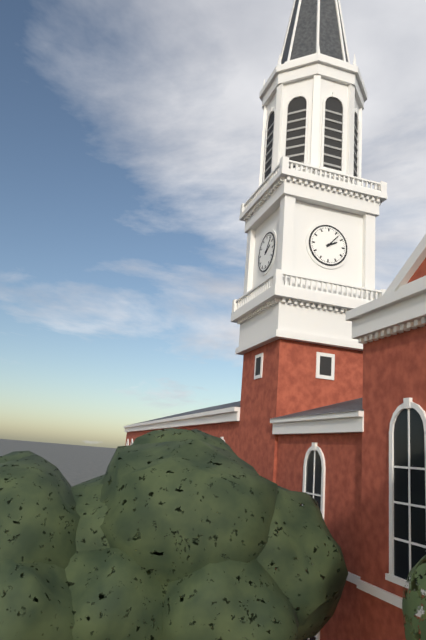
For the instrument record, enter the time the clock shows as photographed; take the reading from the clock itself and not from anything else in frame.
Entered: 2:07
